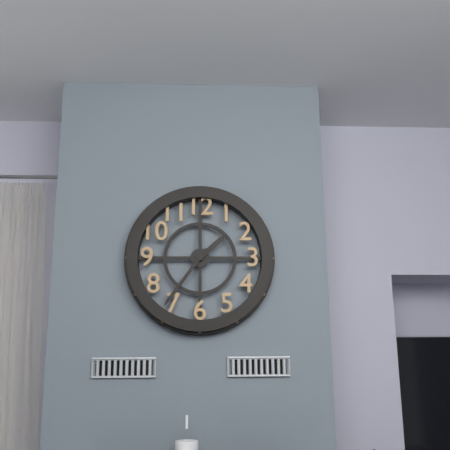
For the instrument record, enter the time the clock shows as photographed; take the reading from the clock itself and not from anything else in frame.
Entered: 1:36
